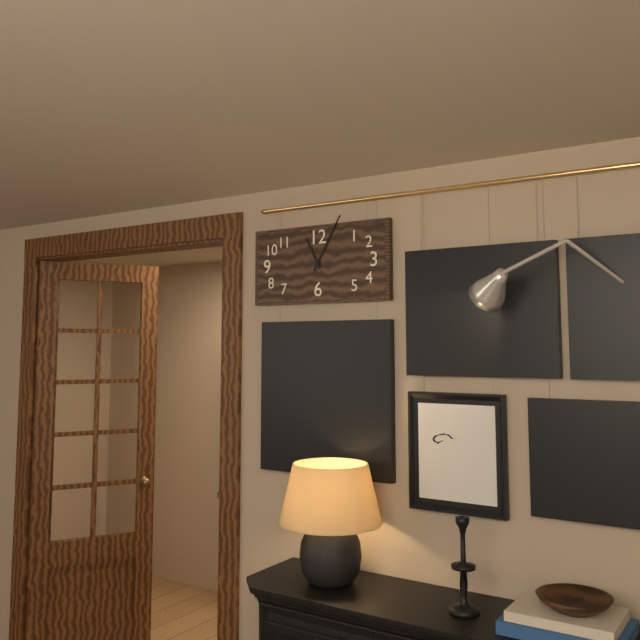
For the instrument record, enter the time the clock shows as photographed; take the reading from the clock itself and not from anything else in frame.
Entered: 11:05
